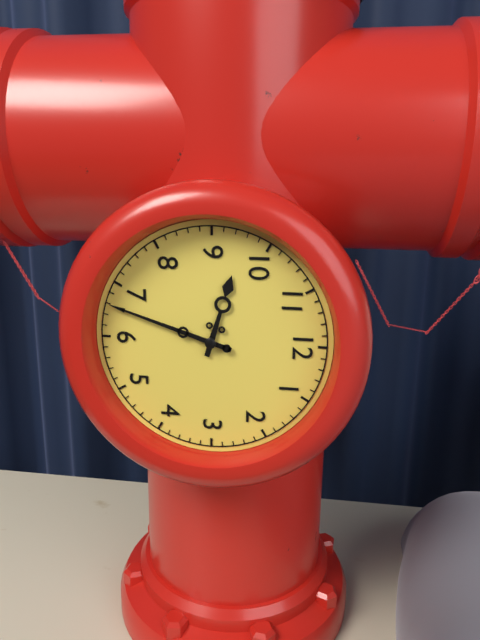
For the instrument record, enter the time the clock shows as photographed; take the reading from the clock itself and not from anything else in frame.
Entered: 9:33
